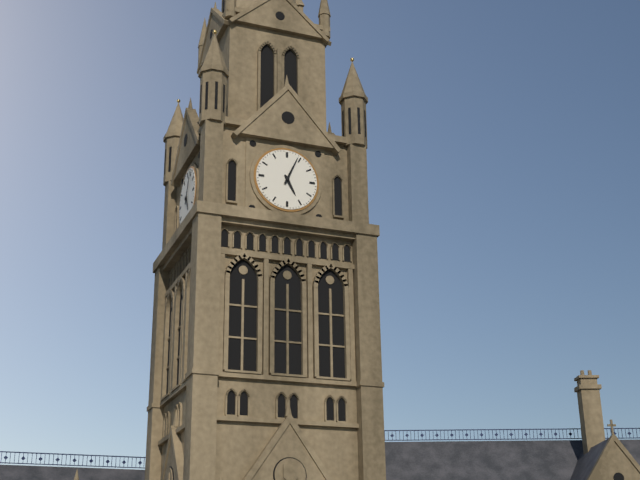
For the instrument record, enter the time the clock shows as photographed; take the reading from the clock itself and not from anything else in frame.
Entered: 5:04
